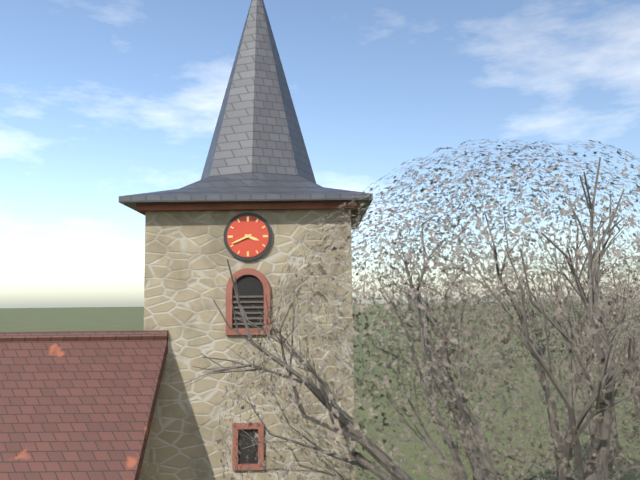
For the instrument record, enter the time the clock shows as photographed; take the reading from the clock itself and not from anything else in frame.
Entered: 3:41
